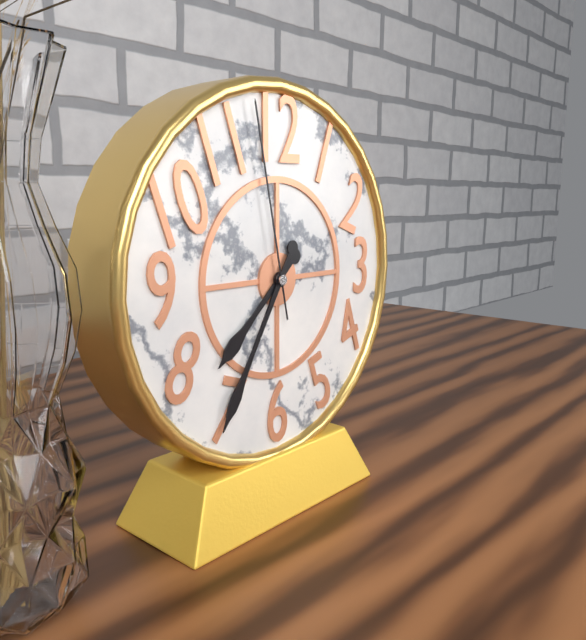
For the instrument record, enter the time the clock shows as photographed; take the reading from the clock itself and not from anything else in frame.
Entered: 7:35:58
